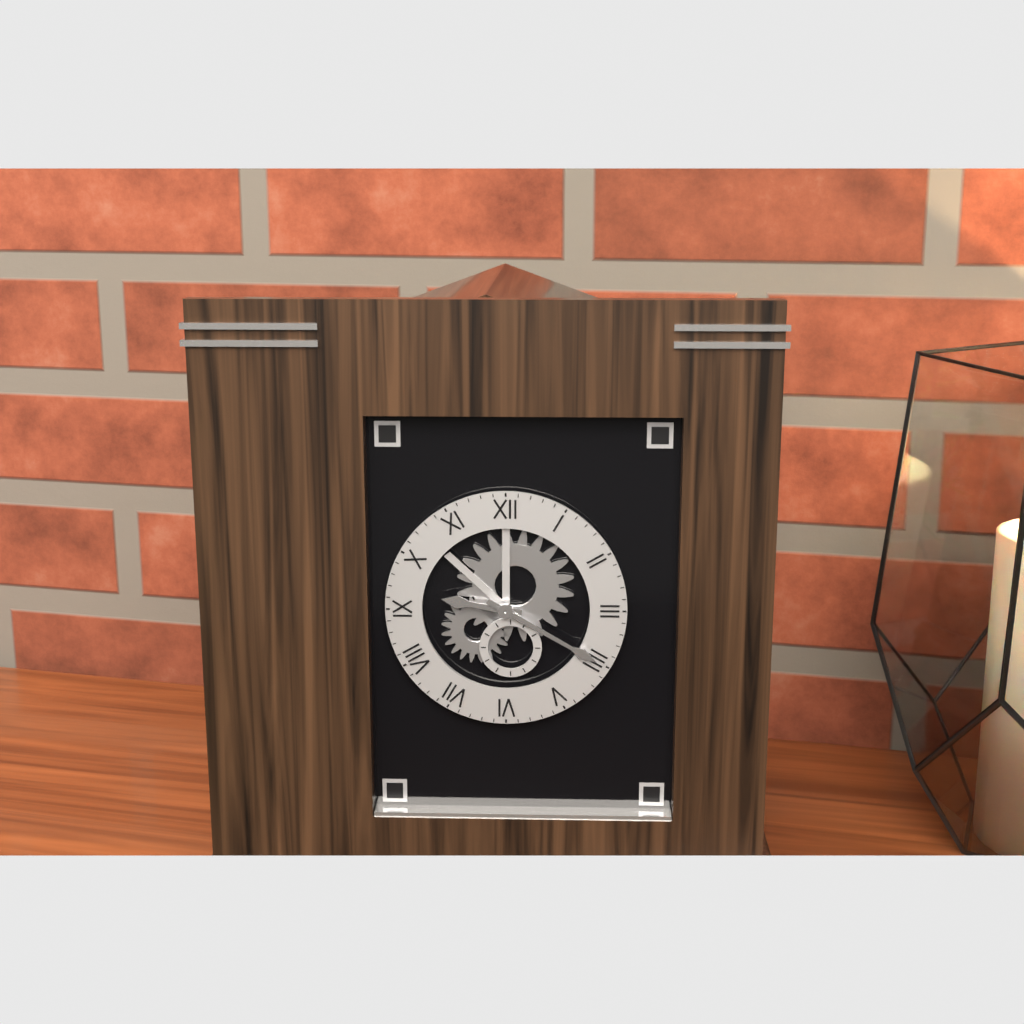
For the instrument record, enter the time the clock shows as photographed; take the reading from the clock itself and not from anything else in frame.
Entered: 9:20
